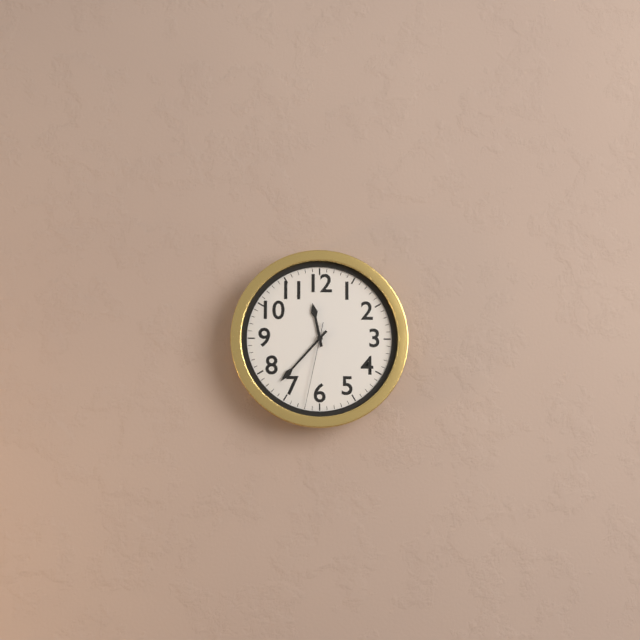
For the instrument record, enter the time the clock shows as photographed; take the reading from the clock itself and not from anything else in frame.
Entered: 11:37:32
